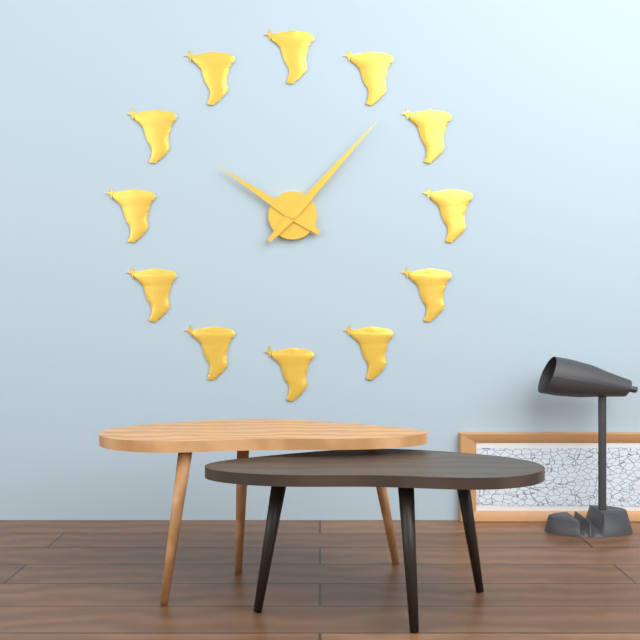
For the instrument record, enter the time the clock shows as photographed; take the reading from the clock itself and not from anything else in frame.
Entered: 10:07
